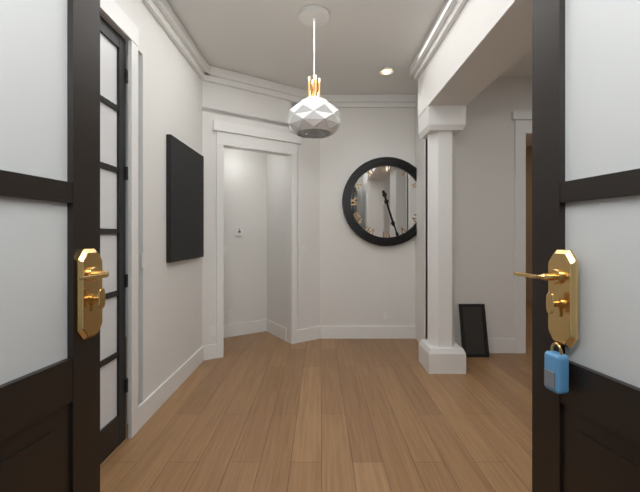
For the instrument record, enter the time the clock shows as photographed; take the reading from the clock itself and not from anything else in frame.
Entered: 5:27
